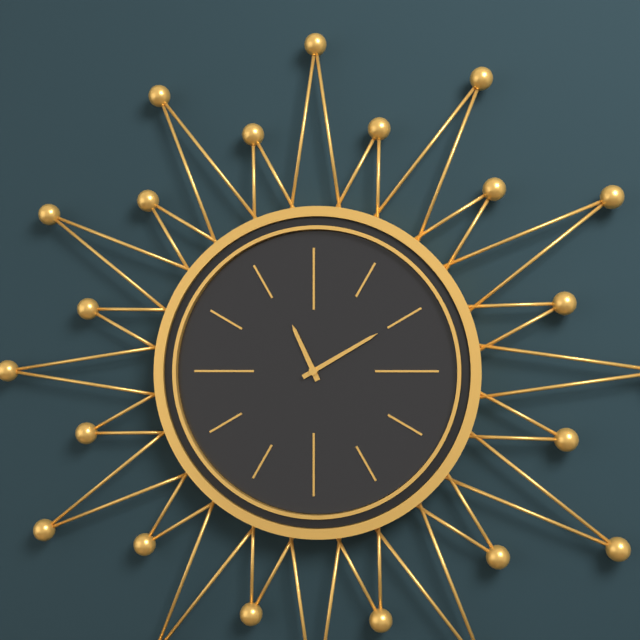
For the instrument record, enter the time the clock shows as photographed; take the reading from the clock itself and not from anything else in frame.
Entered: 11:10
